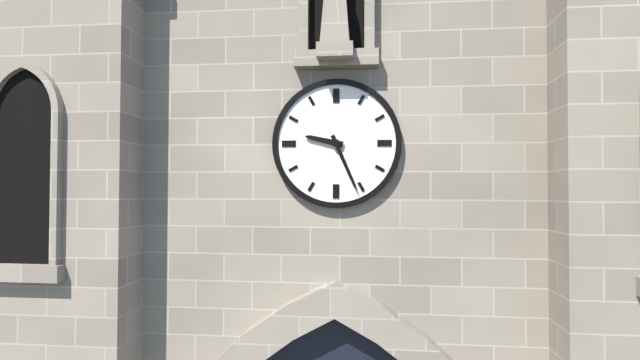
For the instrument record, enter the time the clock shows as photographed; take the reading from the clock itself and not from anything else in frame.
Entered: 9:26
